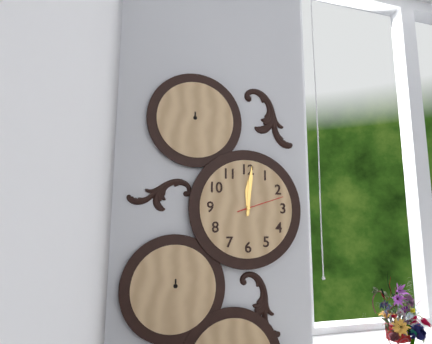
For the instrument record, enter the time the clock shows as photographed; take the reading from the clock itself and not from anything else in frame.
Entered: 12:01
